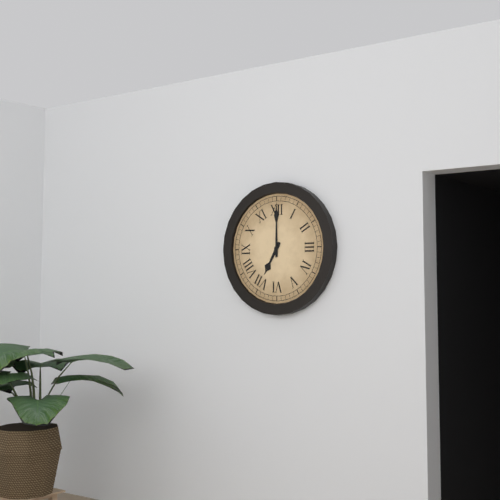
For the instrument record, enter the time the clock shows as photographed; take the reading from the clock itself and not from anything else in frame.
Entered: 7:00
